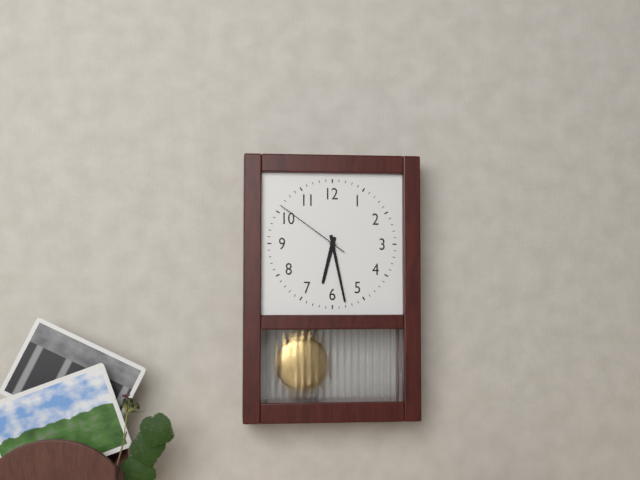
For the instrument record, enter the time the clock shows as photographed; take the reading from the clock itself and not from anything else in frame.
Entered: 6:28:51
